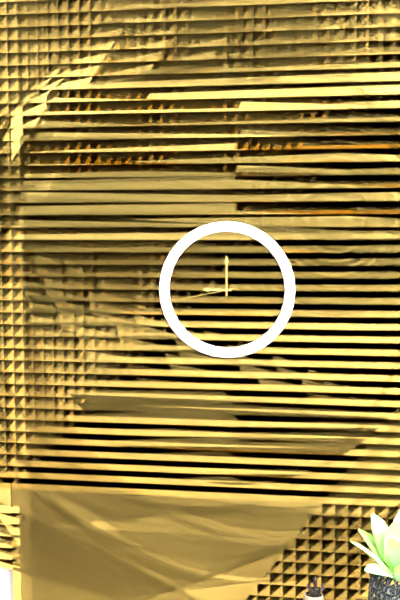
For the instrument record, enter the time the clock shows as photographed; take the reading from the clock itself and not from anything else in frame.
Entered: 9:00:43
